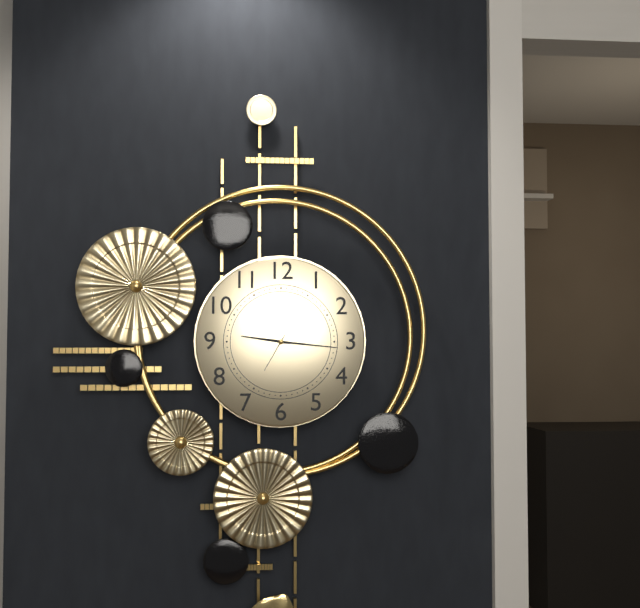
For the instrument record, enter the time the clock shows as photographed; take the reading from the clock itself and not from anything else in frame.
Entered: 9:16
